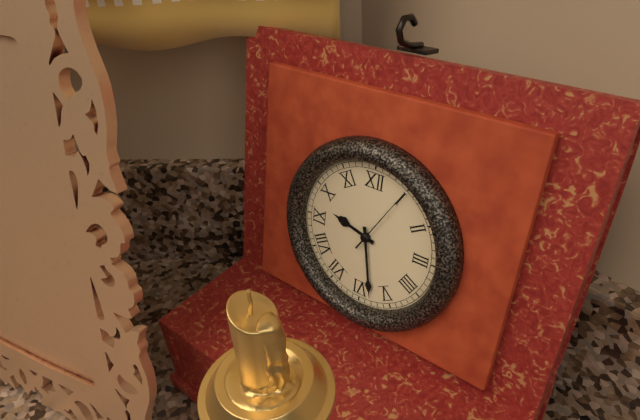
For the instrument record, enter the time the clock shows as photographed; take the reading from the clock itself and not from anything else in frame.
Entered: 9:28:05
